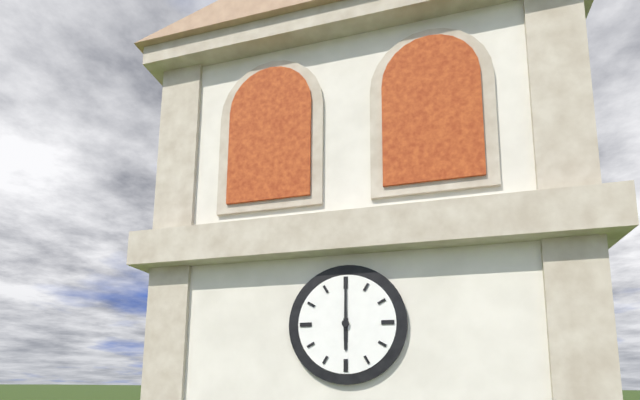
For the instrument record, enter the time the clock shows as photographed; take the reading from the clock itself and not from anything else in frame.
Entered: 6:00
